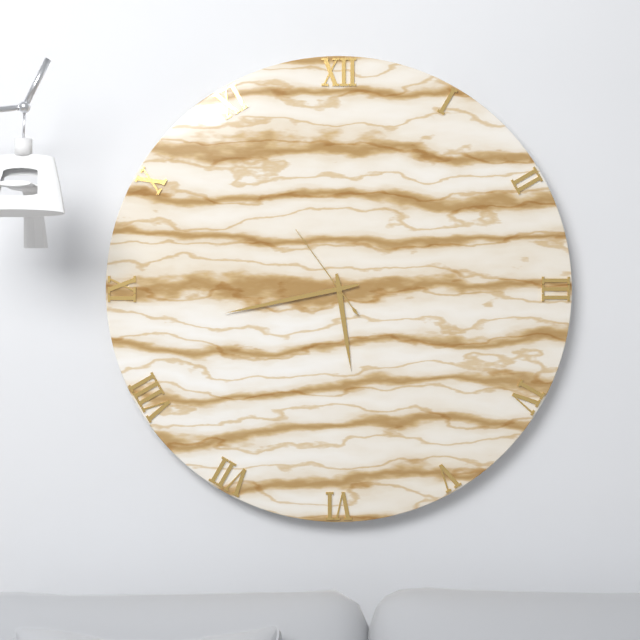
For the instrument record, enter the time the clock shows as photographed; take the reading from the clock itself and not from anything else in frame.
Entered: 5:43:54
